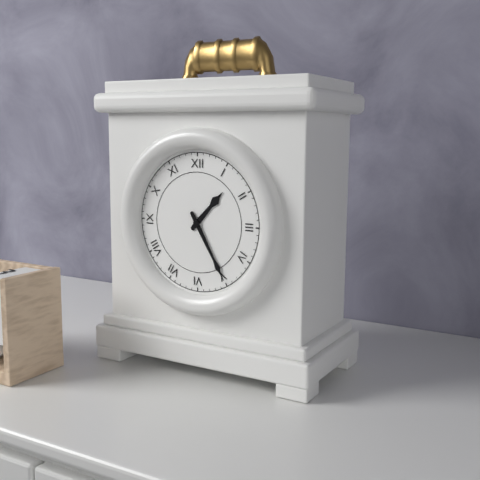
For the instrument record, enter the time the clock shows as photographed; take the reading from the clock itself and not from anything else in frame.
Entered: 1:25
